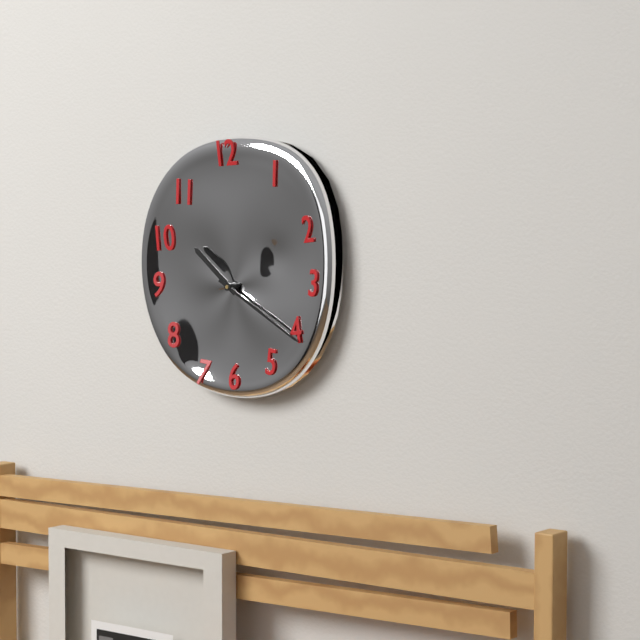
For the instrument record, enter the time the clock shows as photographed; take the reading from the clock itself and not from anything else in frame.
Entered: 10:20
